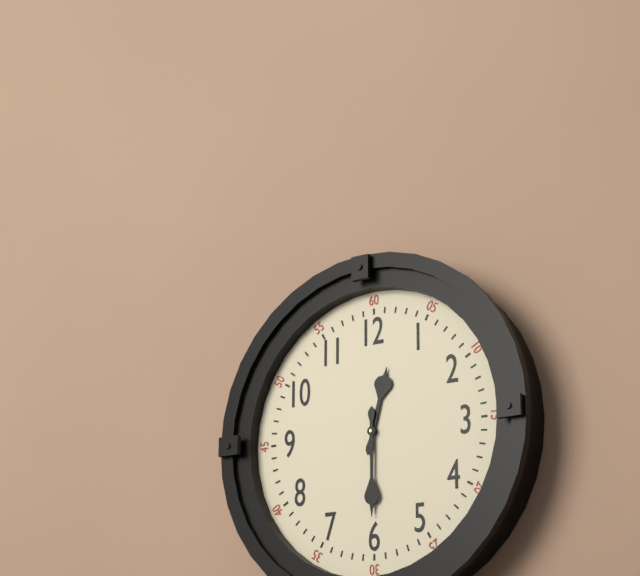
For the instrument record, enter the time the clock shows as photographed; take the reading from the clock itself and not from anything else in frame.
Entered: 12:30
